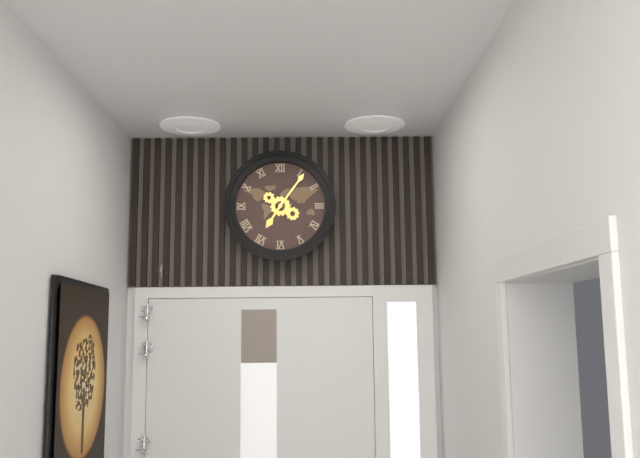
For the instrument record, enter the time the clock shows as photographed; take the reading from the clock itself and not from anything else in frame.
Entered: 7:06
